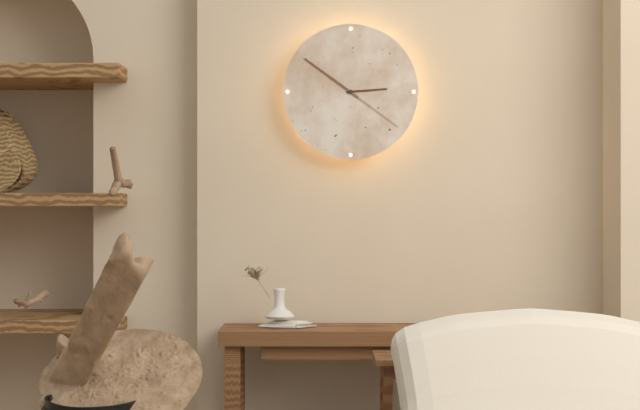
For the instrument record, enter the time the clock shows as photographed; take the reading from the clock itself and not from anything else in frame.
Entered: 2:51:21
